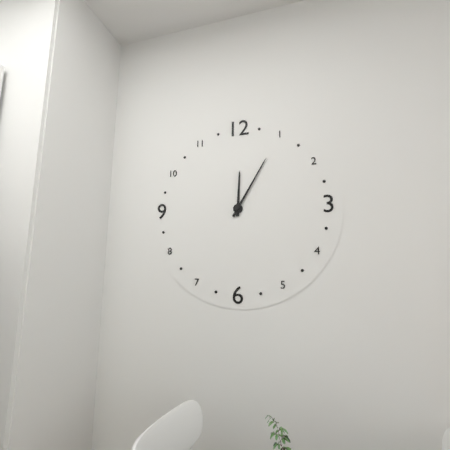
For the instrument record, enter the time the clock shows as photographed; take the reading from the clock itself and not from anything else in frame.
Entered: 12:05
